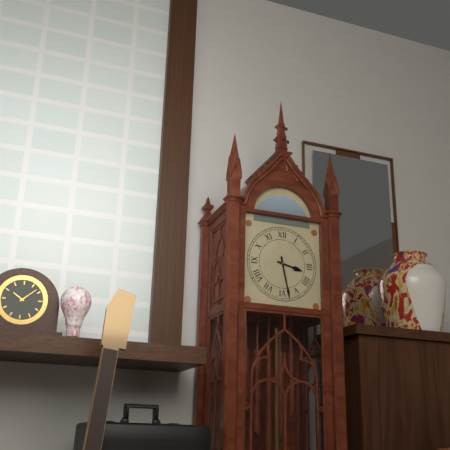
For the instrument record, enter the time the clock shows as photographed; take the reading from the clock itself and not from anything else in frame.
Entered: 3:28
